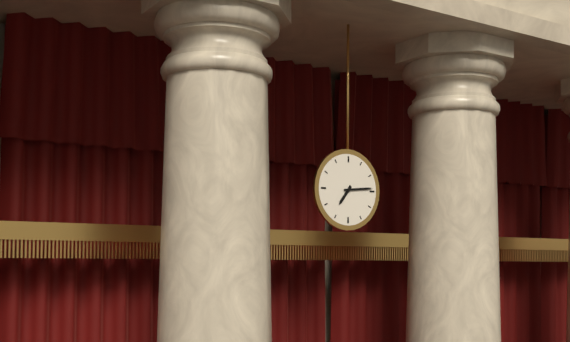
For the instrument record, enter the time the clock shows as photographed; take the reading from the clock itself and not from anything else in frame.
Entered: 7:14
